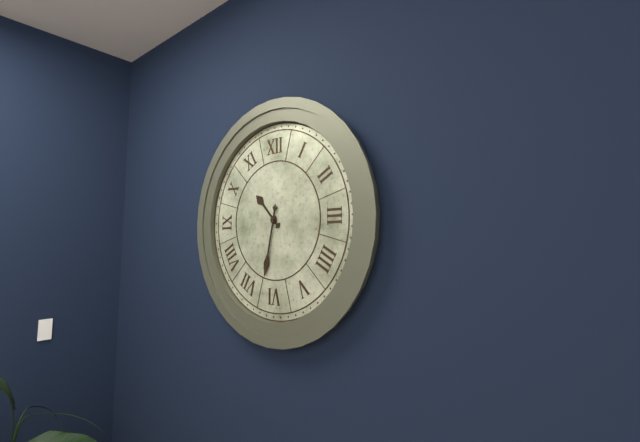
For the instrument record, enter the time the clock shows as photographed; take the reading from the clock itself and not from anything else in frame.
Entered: 10:32
